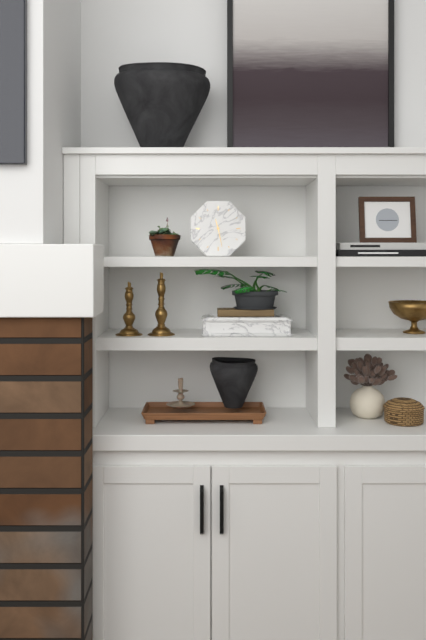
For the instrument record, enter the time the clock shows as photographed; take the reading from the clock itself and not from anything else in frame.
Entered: 11:28
